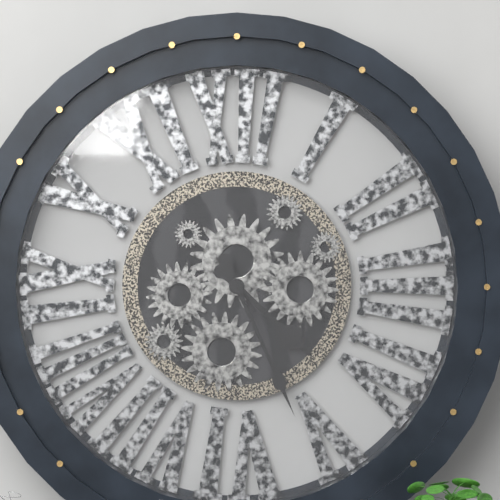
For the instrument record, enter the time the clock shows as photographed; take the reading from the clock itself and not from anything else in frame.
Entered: 4:26
